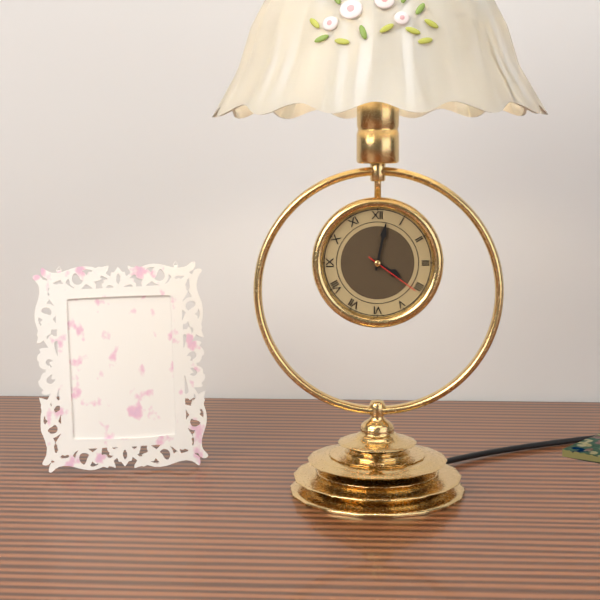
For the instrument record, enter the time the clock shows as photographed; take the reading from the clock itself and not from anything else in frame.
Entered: 4:02:21
